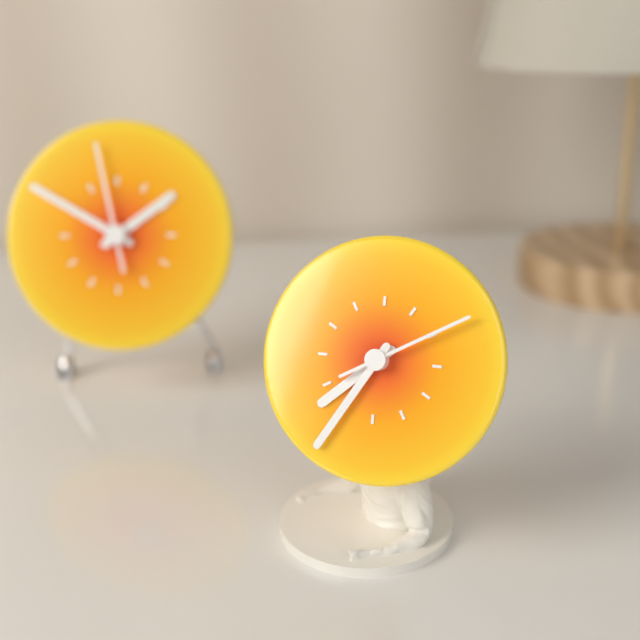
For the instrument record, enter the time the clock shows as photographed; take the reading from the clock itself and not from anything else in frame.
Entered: 7:35:10
